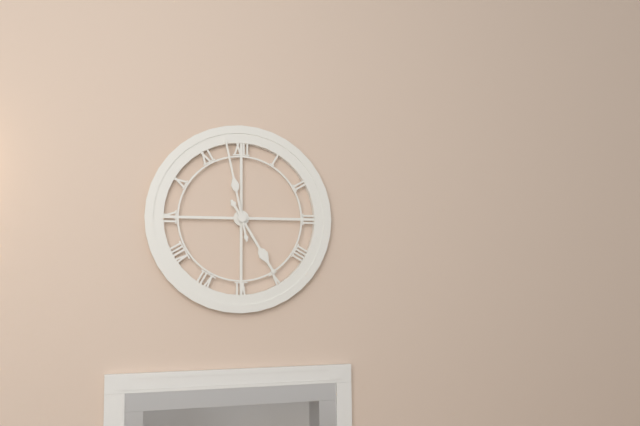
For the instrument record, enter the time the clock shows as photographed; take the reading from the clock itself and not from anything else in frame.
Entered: 4:58
